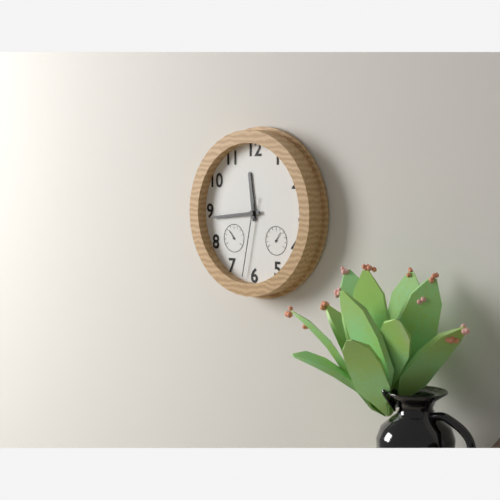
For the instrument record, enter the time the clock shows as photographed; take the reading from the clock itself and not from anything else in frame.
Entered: 11:44:32
